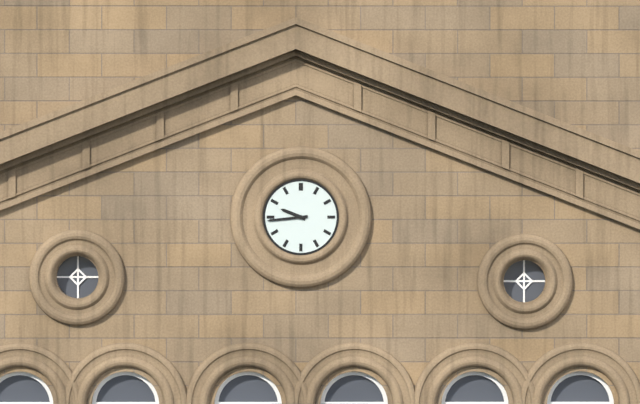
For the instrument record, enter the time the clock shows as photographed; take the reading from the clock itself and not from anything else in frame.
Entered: 9:44
